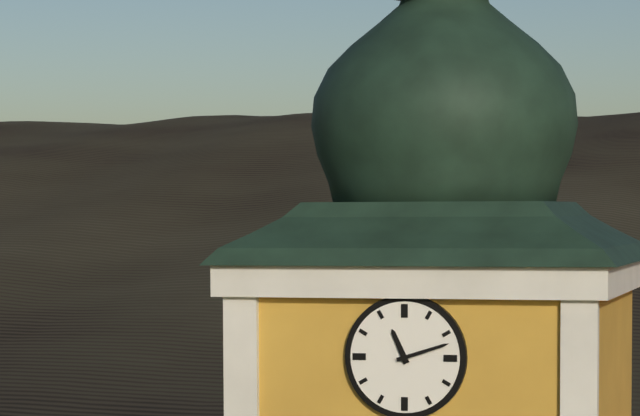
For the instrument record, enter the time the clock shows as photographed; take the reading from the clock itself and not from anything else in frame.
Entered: 11:12
